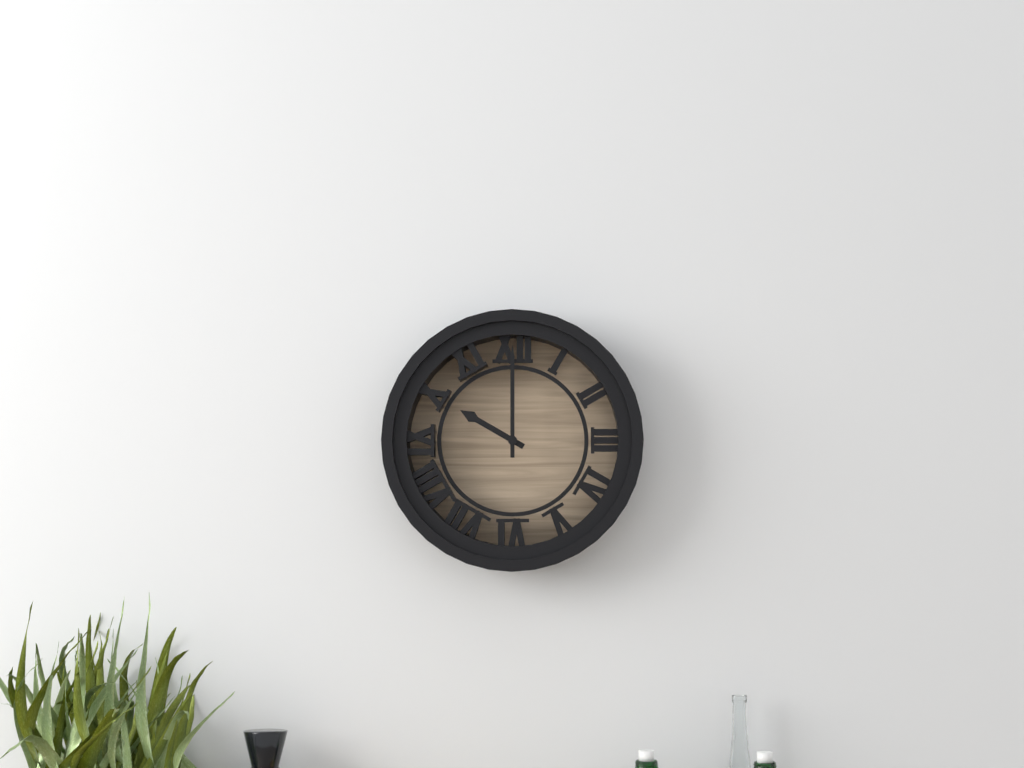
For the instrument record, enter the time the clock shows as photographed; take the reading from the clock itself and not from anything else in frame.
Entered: 10:00
